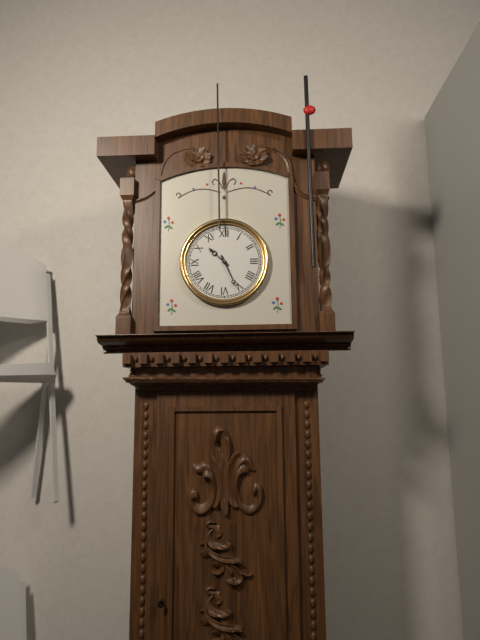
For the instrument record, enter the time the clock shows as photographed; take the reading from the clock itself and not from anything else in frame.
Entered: 10:26
